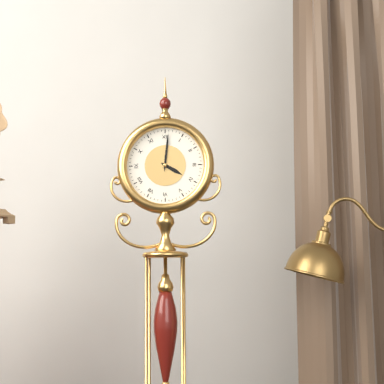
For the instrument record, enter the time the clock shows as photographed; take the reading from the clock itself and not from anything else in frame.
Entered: 4:01
